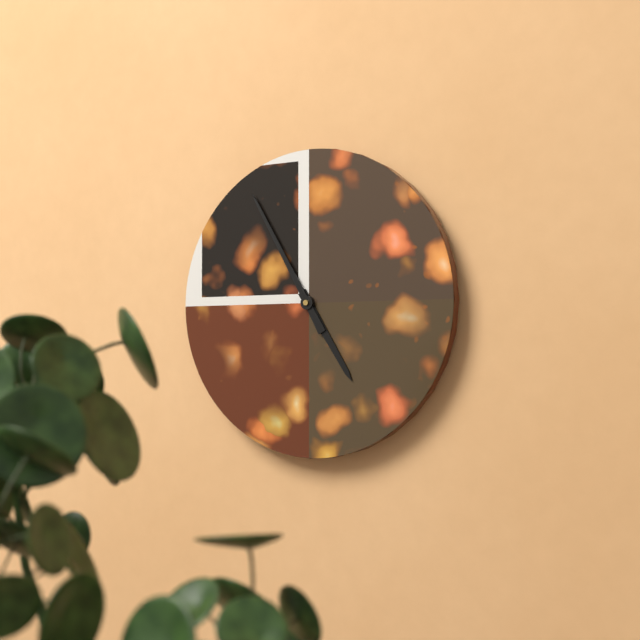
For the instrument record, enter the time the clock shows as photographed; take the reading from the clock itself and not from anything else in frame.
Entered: 4:55
